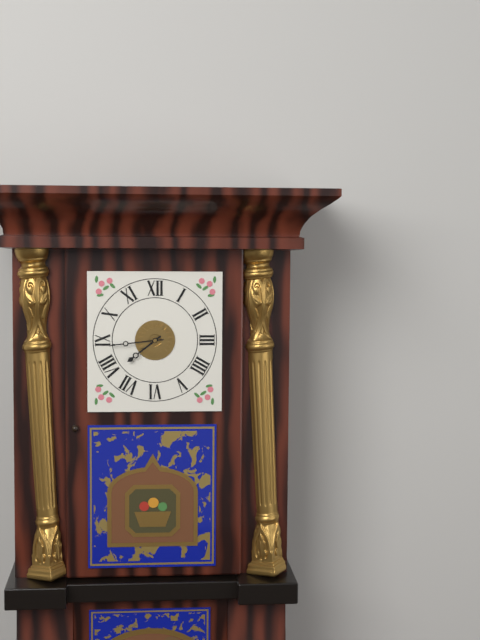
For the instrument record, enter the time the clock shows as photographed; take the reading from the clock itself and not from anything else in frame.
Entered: 7:44
